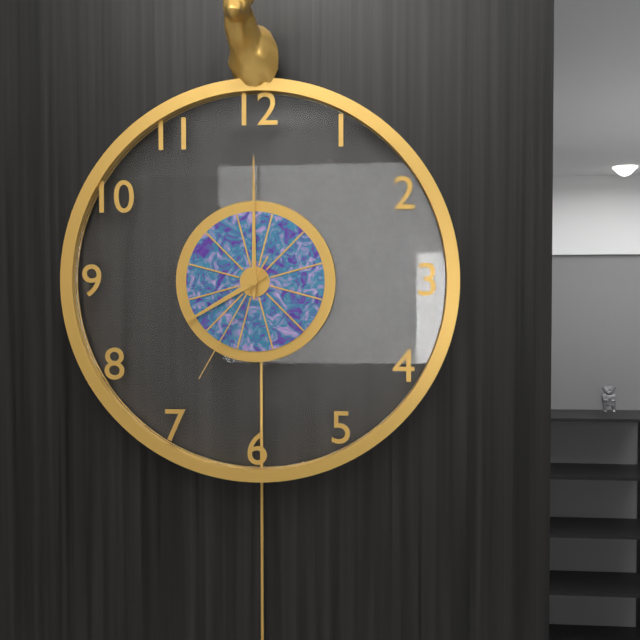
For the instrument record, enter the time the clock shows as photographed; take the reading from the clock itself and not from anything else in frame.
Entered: 8:00:35
